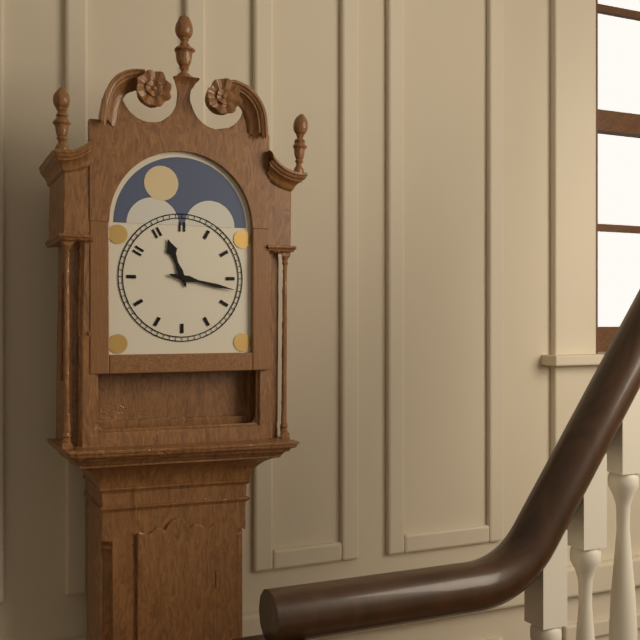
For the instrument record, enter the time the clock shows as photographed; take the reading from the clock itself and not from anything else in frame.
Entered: 11:17
